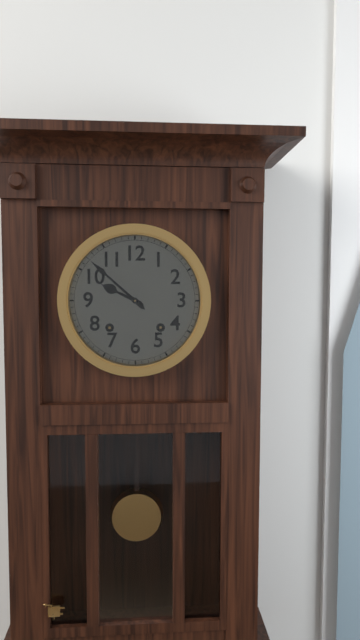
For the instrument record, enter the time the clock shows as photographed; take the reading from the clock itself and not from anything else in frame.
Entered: 9:52
